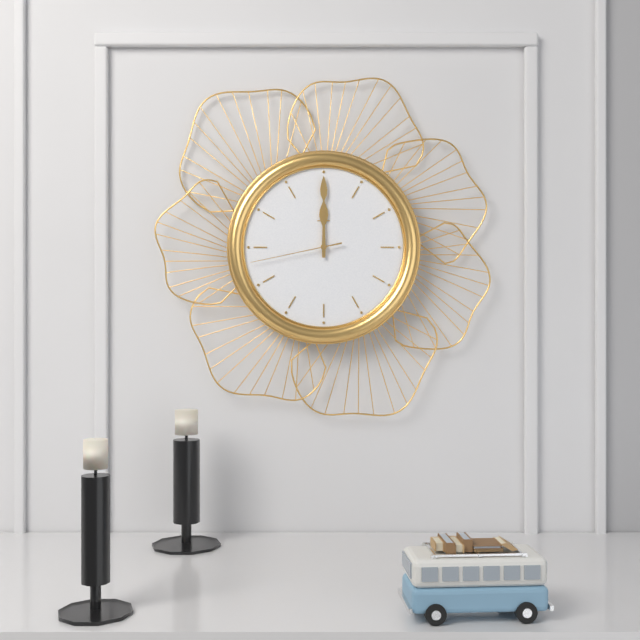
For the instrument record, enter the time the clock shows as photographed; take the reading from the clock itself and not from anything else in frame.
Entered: 12:00:43
